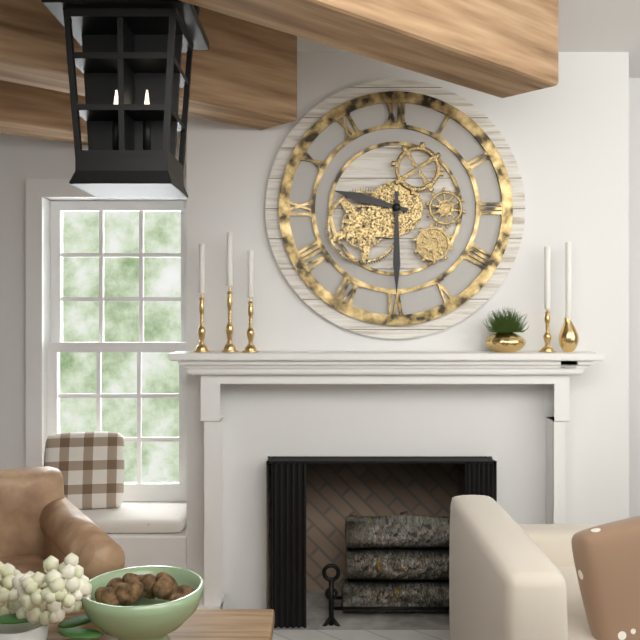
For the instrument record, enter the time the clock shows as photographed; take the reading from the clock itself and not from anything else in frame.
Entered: 9:30
